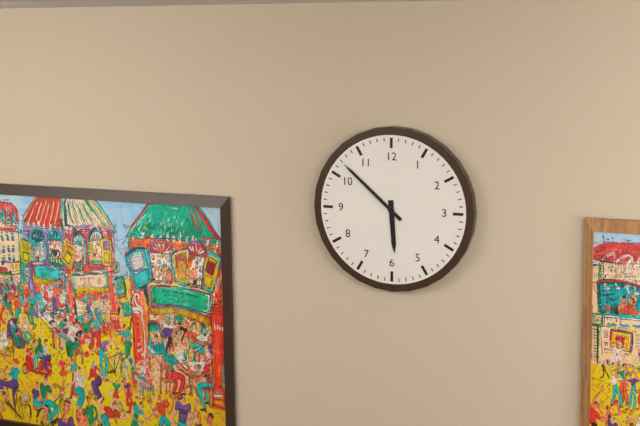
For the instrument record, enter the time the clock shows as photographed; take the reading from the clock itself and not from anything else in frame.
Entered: 5:52
